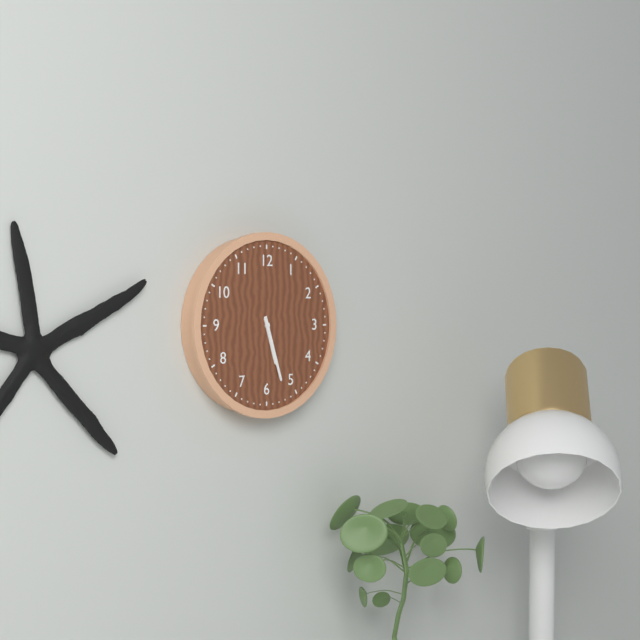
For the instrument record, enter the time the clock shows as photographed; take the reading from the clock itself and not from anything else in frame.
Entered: 5:27
